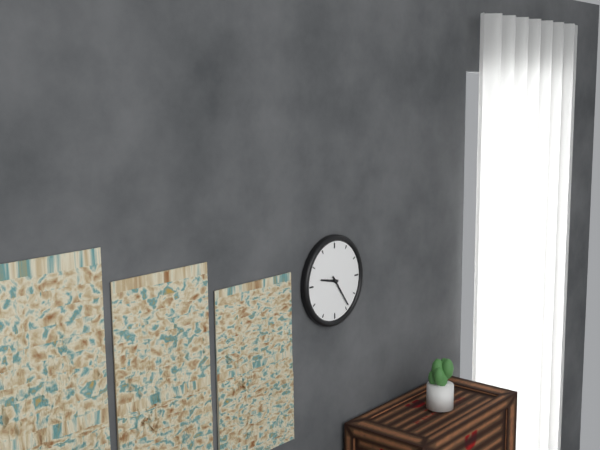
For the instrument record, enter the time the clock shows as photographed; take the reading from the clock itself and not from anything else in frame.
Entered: 9:24
